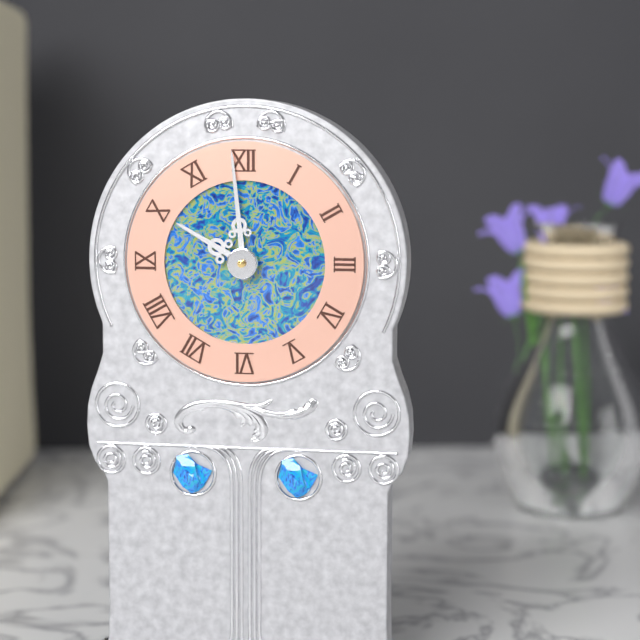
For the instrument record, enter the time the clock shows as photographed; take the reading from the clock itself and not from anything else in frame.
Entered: 9:59
